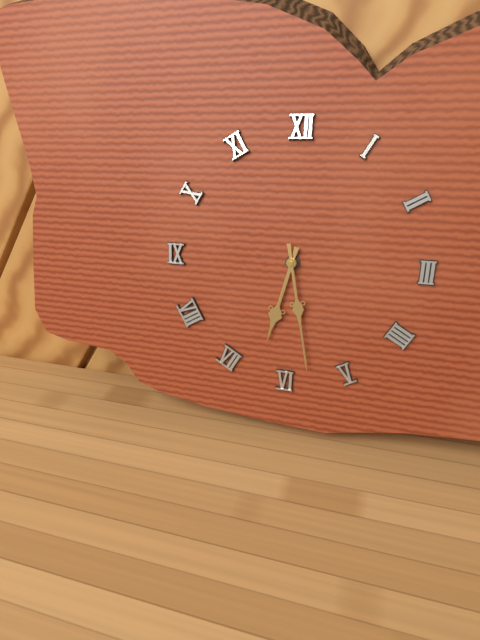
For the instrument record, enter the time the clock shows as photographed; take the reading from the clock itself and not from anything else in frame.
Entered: 6:28
